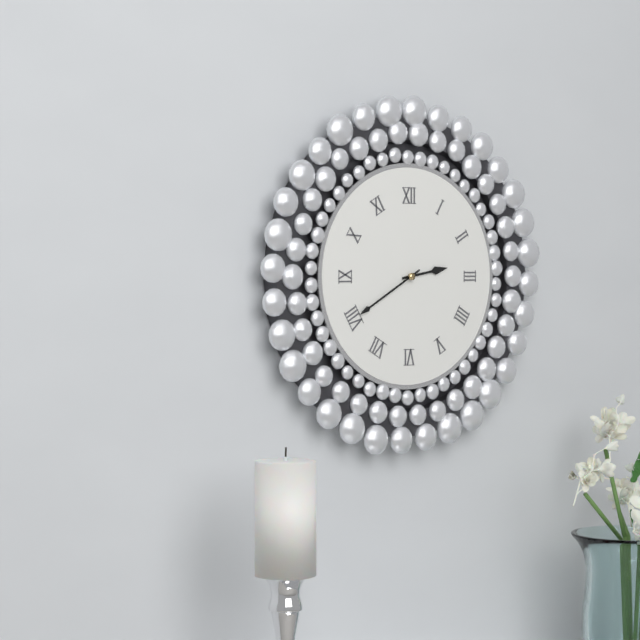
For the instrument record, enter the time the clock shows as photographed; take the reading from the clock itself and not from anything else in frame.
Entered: 2:40
